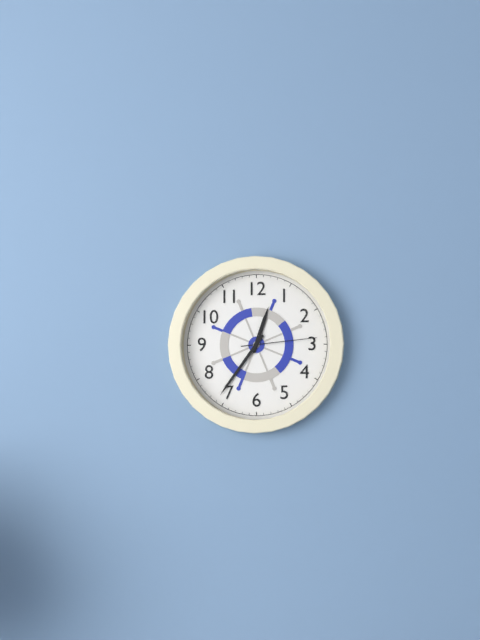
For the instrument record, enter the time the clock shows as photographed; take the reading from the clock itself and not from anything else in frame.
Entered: 12:36:14
